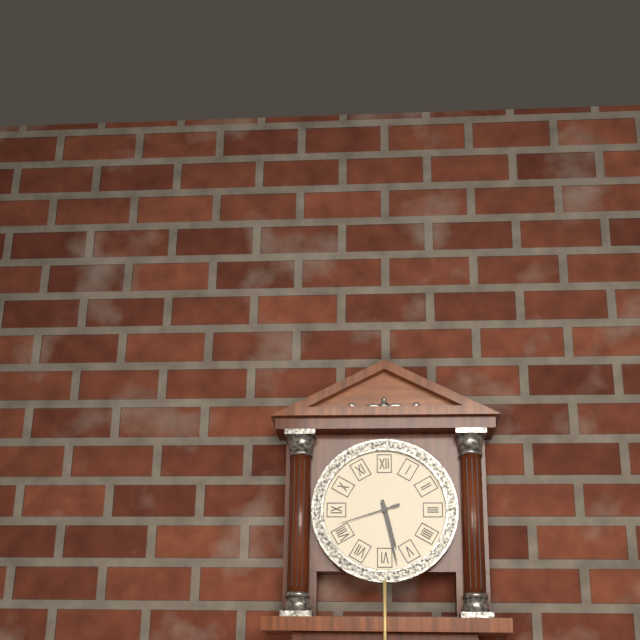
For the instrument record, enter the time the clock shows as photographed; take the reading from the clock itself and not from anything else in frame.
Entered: 5:28:42
